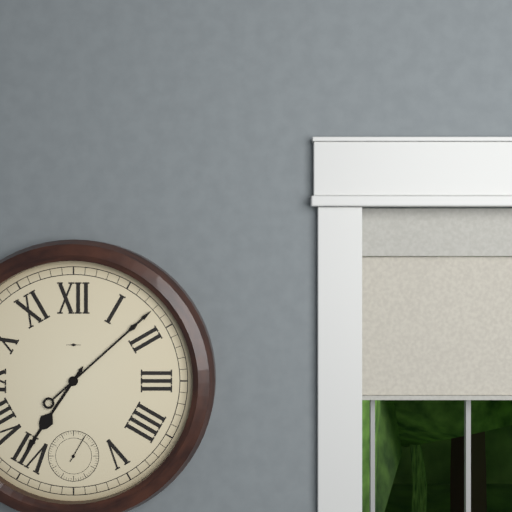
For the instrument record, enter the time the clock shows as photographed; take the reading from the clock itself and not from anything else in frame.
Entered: 7:08
